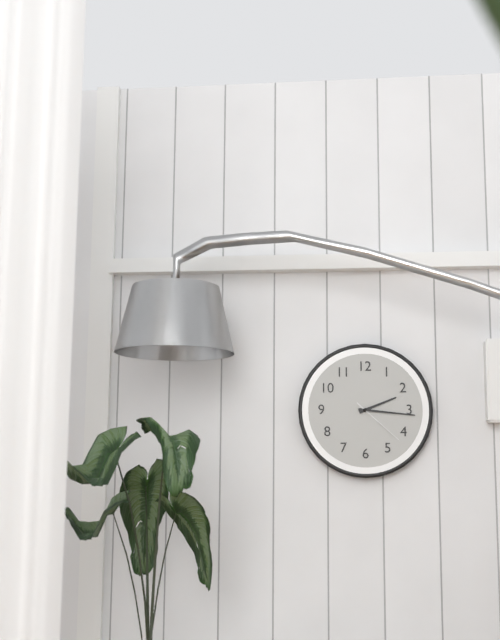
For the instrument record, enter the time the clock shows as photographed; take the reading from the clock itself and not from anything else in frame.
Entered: 2:16:22
